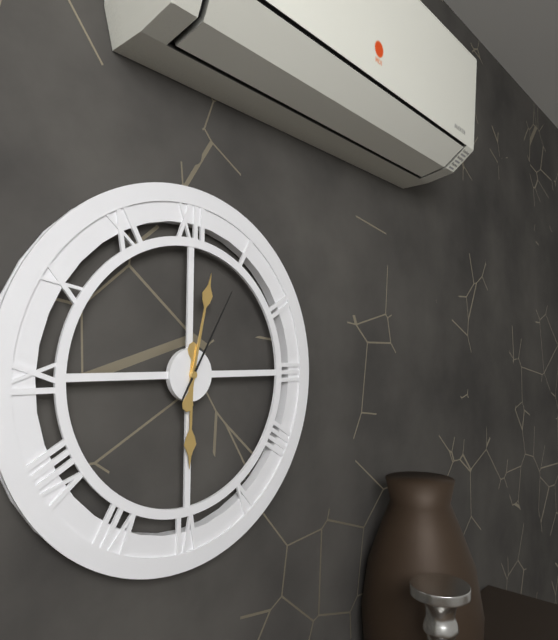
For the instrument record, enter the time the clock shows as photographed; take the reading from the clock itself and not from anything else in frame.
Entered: 6:02:05
